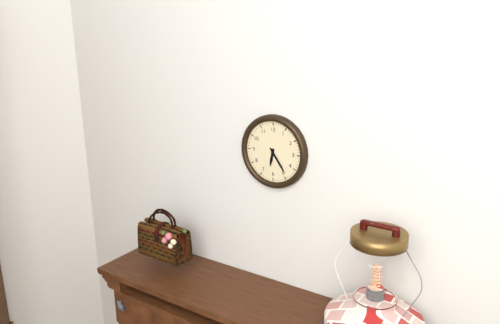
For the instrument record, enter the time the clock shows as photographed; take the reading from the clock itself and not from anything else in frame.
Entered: 6:24
